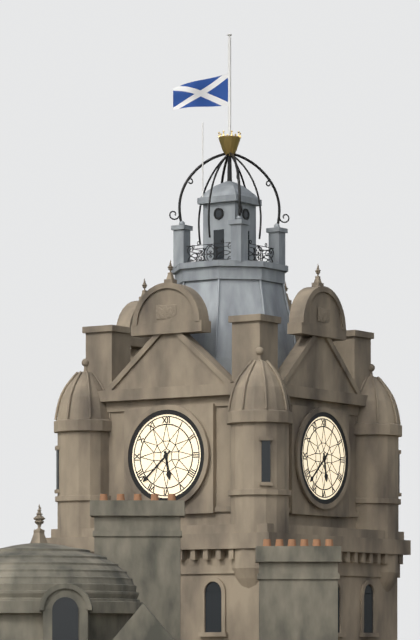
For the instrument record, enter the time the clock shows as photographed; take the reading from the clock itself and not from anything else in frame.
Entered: 5:38
